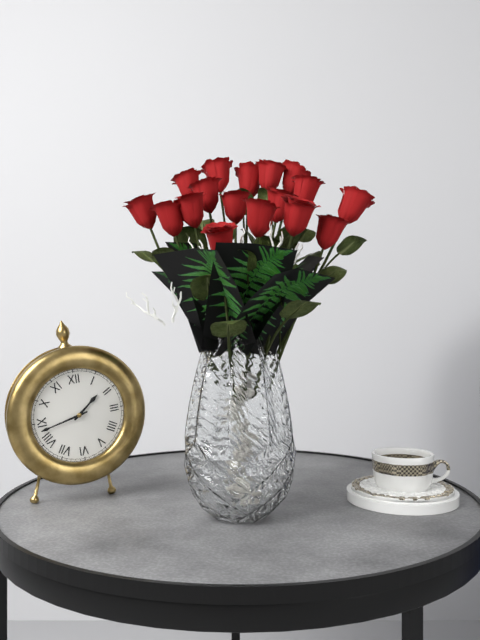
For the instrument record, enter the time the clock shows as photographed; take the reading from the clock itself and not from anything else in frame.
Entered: 1:43
